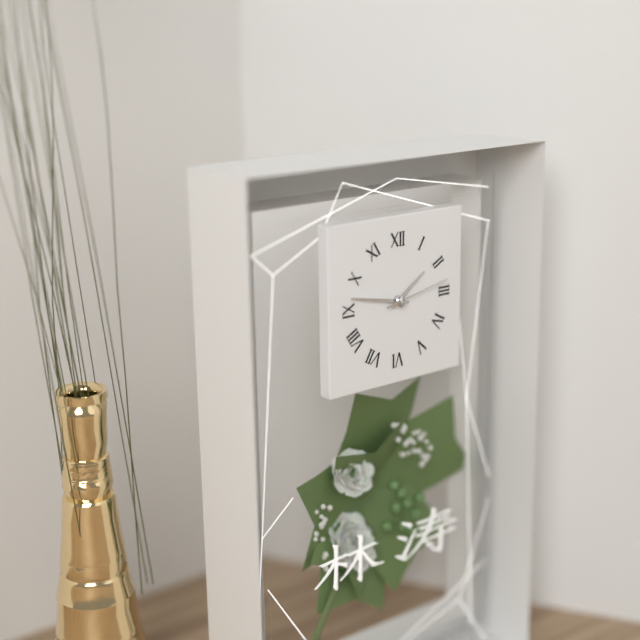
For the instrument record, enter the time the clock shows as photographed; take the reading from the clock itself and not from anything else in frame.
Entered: 1:47:13
